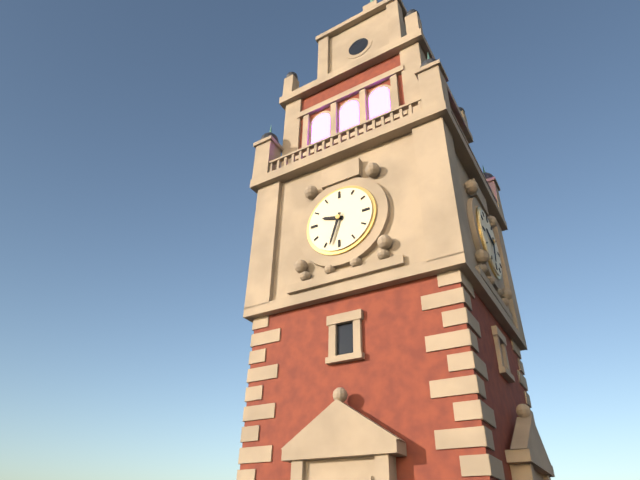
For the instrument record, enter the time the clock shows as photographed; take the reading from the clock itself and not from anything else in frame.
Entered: 9:33
